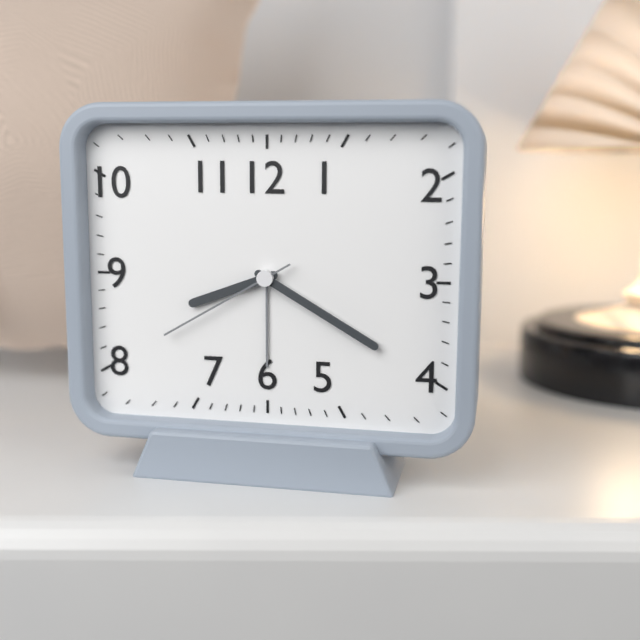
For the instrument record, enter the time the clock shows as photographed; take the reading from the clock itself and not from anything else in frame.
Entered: 8:20:40
